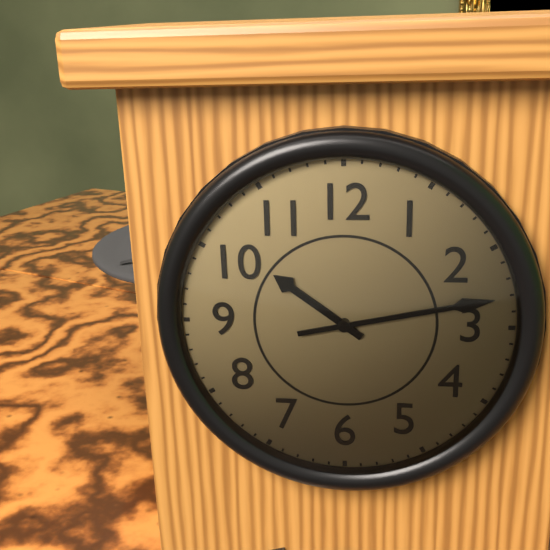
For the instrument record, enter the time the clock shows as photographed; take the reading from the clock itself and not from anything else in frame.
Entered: 10:13
